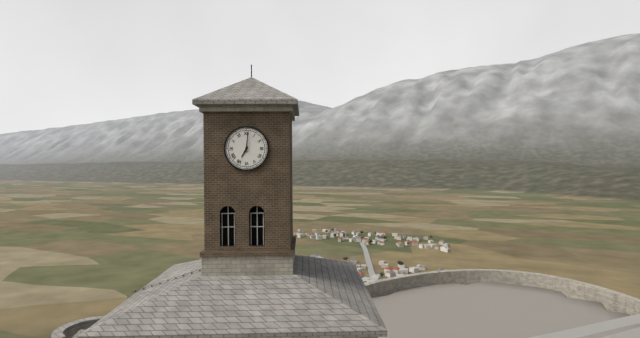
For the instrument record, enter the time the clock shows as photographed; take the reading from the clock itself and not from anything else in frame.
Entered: 7:01
